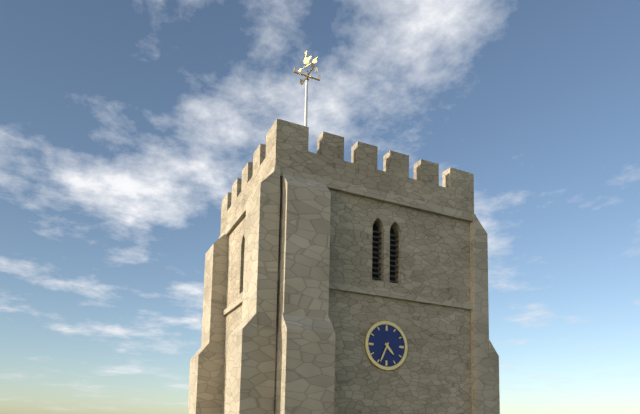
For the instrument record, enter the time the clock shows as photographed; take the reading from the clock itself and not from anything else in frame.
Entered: 4:34
